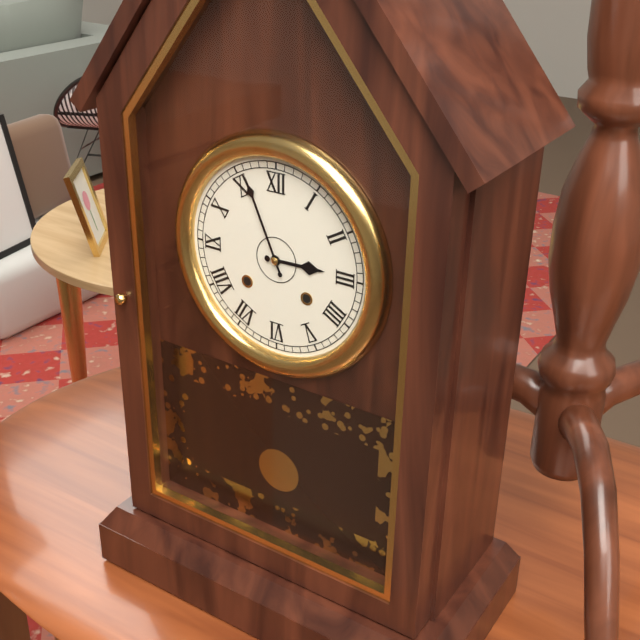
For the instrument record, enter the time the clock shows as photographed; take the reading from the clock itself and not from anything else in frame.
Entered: 2:56
